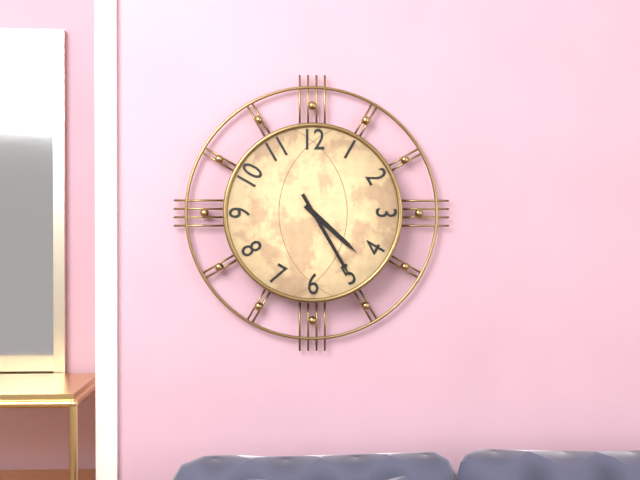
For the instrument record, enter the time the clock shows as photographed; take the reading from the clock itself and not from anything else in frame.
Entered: 4:25
